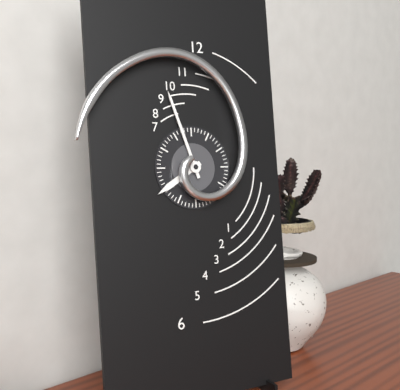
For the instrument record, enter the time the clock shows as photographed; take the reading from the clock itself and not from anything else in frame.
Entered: 7:57
